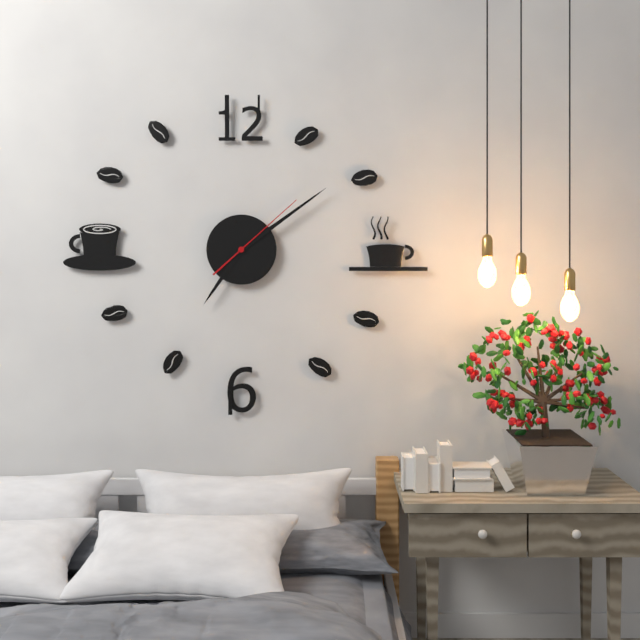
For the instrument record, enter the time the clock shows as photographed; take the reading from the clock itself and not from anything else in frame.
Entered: 7:09:08
